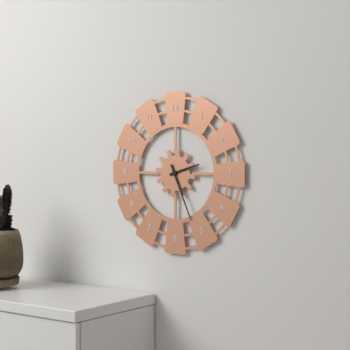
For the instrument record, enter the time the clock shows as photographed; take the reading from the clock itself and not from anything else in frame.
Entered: 2:26
